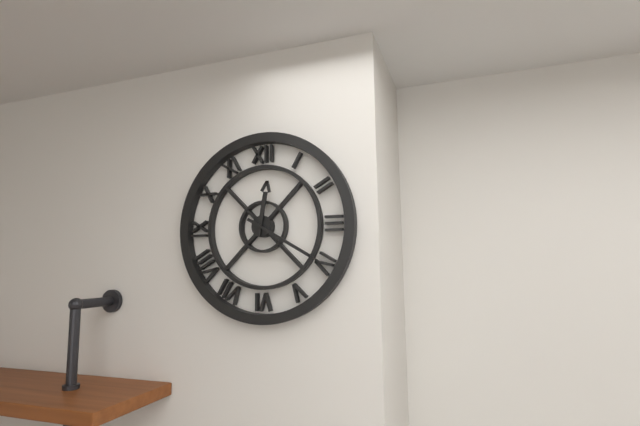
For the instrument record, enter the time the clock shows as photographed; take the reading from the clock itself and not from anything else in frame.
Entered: 12:20
